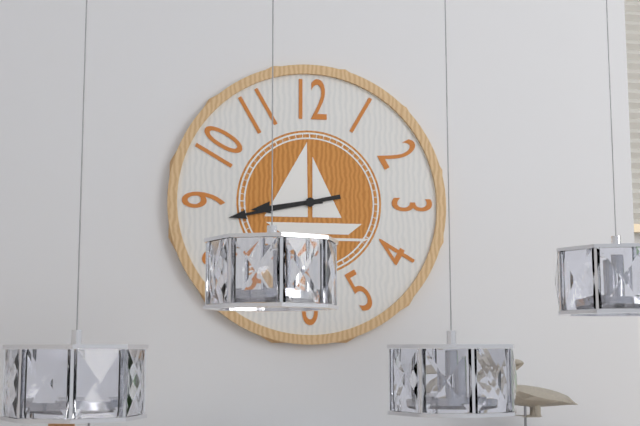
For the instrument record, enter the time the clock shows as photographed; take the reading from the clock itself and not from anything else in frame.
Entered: 8:43
